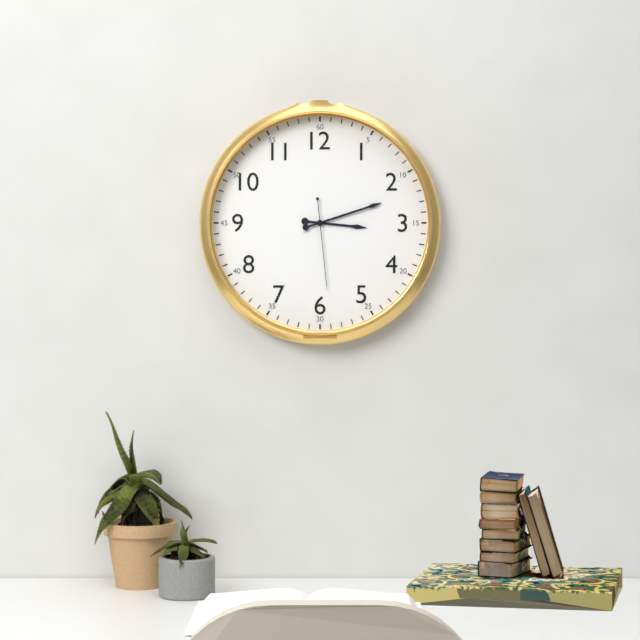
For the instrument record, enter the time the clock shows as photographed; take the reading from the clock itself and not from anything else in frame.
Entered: 3:12:29
